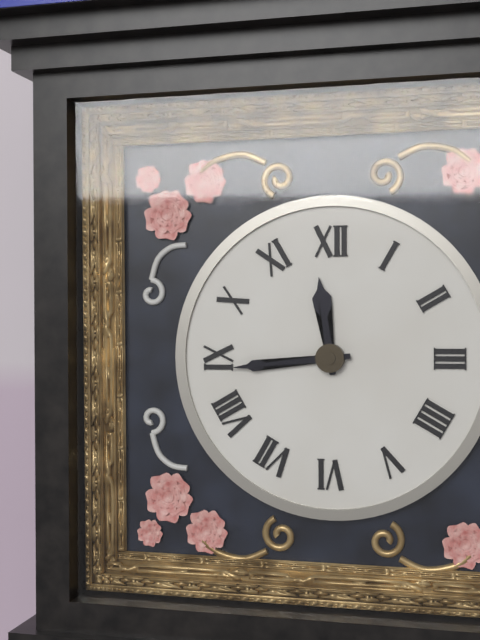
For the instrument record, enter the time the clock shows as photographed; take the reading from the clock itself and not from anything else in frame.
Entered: 11:44
